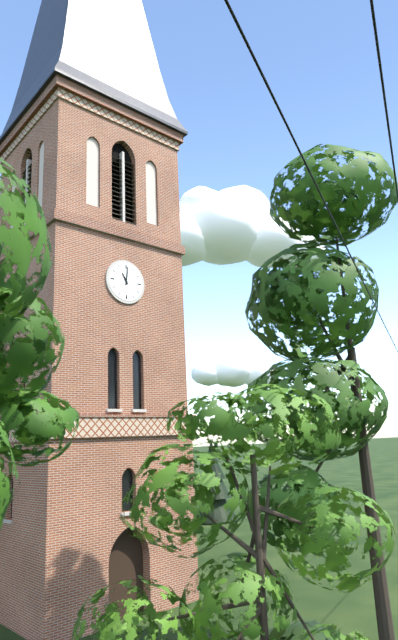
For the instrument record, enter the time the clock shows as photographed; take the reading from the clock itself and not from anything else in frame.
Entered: 11:01
